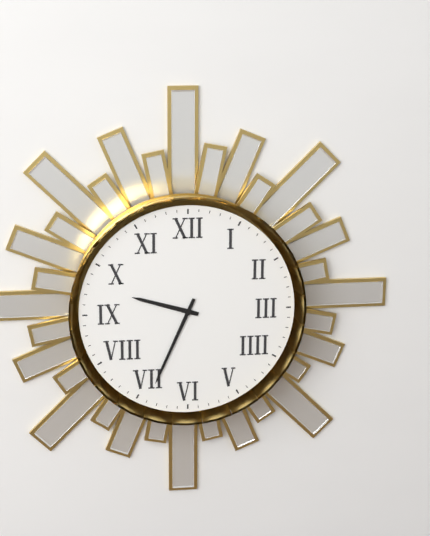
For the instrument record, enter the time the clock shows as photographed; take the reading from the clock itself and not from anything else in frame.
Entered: 9:34
